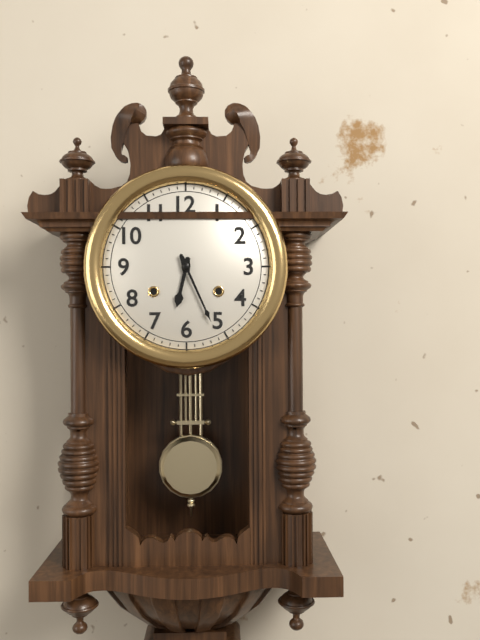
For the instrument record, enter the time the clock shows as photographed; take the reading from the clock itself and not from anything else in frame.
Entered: 6:26
